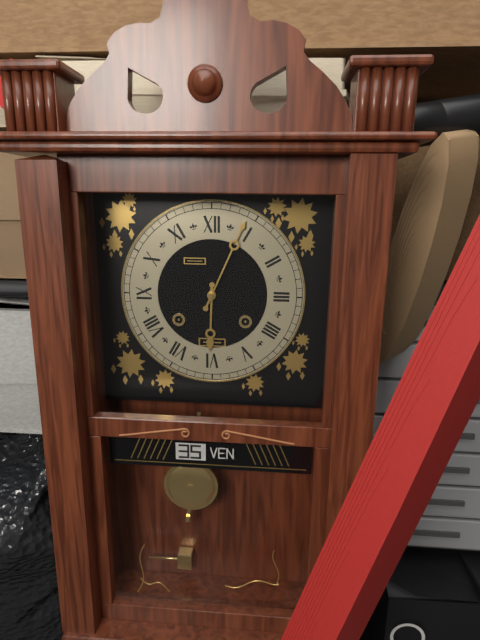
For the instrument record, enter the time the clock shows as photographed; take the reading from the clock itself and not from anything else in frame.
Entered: 6:04
